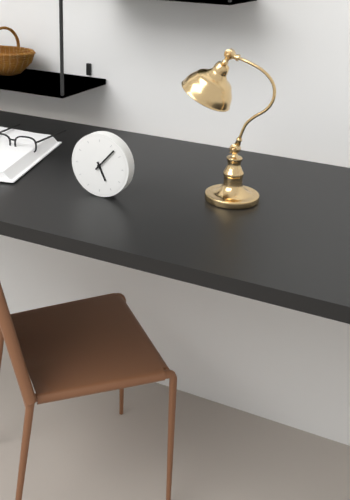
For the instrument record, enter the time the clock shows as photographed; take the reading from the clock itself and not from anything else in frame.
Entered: 5:07
